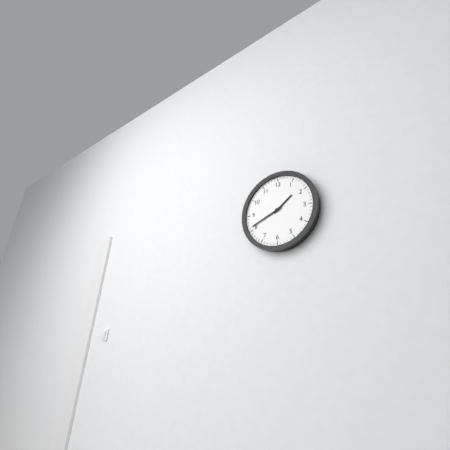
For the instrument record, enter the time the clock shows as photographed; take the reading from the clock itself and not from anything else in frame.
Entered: 1:41
